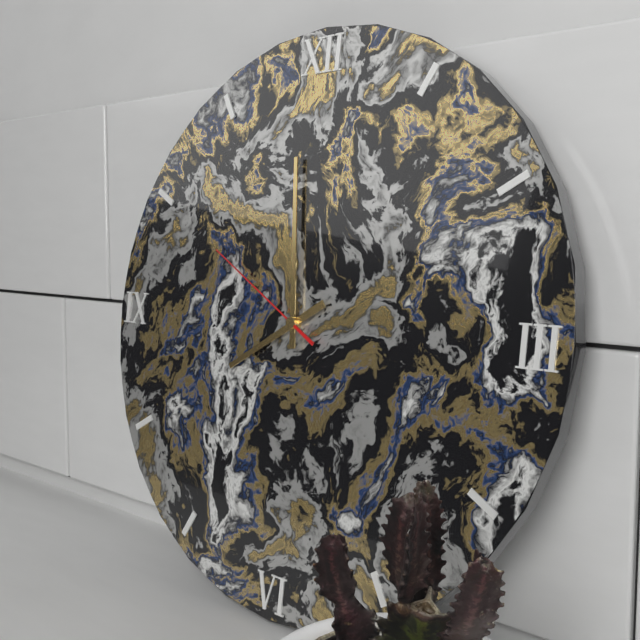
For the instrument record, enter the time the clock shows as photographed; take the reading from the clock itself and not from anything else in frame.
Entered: 7:59:50
